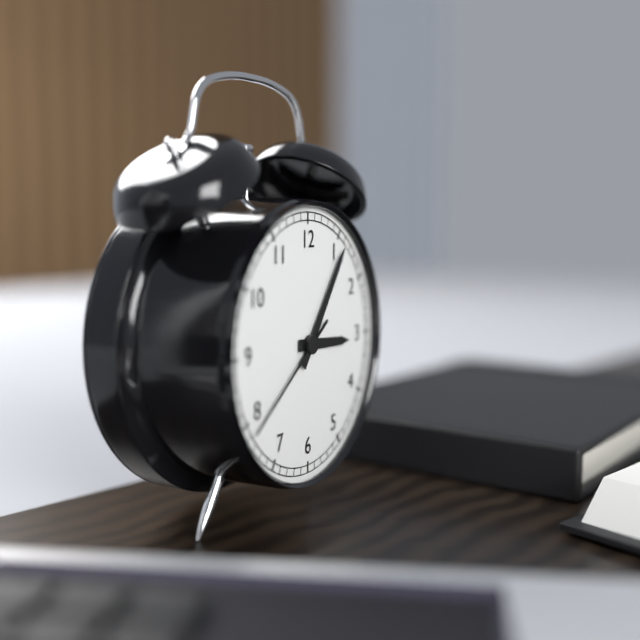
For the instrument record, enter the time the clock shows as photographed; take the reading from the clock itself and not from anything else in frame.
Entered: 3:06:39
